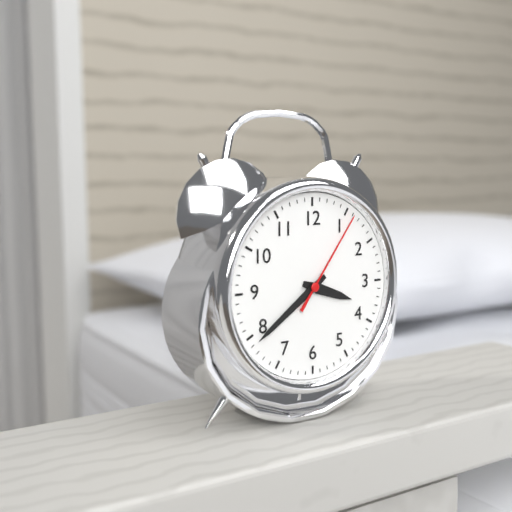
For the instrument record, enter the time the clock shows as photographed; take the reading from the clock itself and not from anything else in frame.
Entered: 3:39:06
